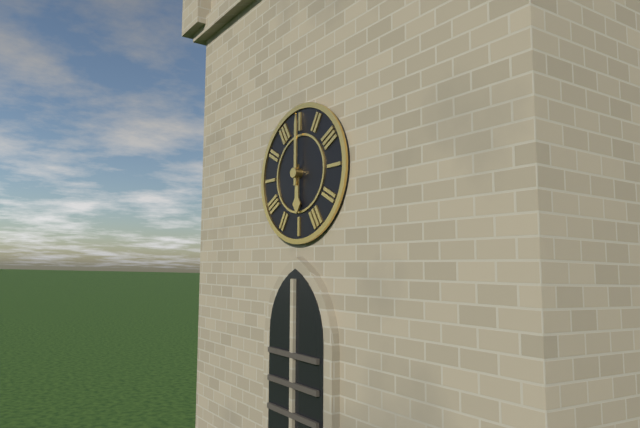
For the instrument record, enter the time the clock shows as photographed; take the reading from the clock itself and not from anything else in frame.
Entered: 6:00
